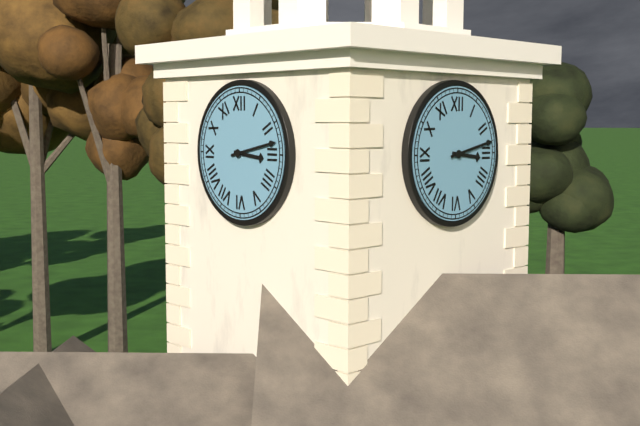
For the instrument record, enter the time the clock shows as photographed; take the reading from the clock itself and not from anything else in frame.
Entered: 3:13
